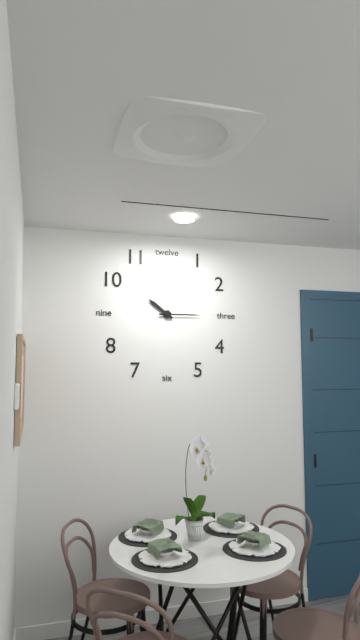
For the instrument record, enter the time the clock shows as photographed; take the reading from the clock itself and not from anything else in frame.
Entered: 10:15
